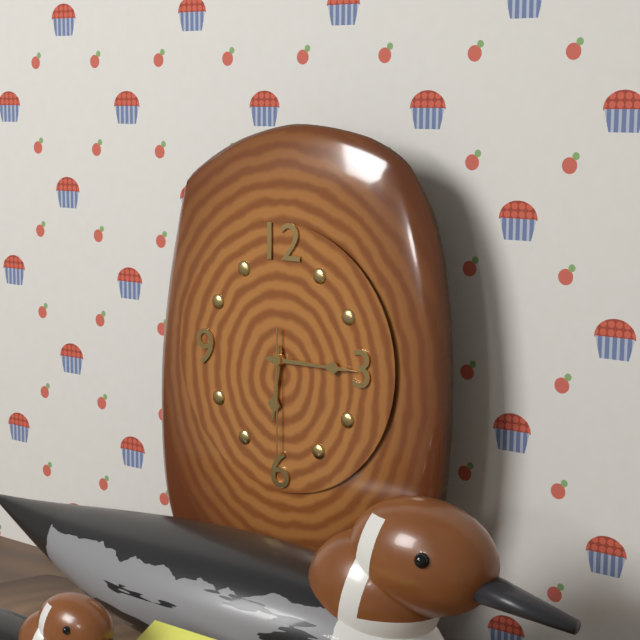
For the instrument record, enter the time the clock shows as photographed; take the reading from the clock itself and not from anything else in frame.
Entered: 6:15:30
